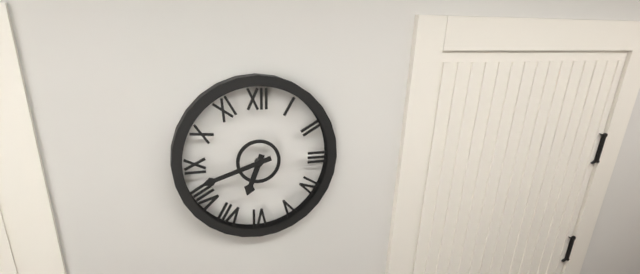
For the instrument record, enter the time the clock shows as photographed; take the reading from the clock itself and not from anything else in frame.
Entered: 6:42
